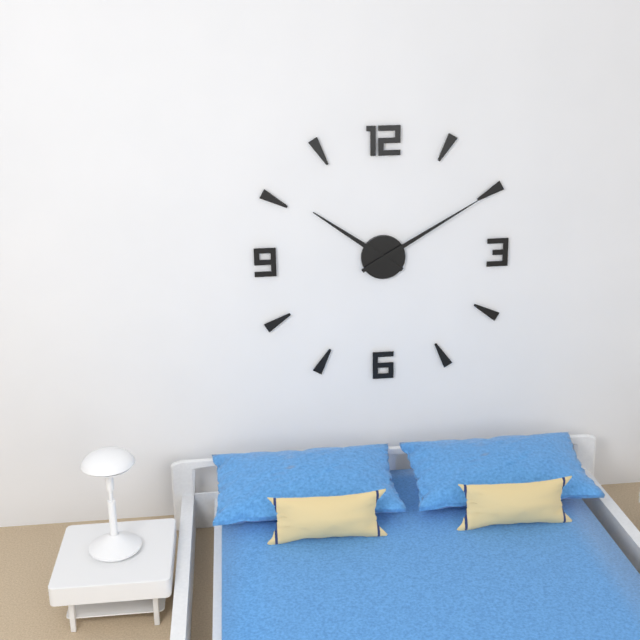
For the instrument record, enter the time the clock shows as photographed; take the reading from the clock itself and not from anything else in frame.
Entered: 10:10
